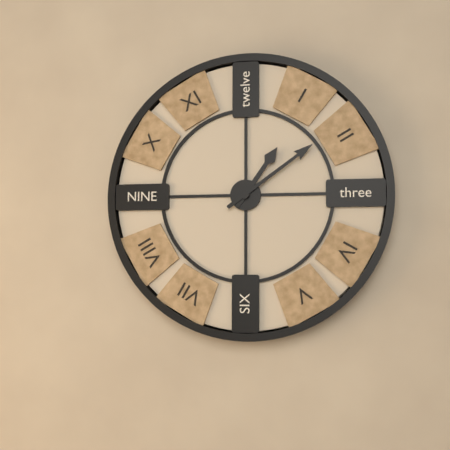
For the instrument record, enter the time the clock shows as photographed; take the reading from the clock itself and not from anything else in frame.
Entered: 1:09
